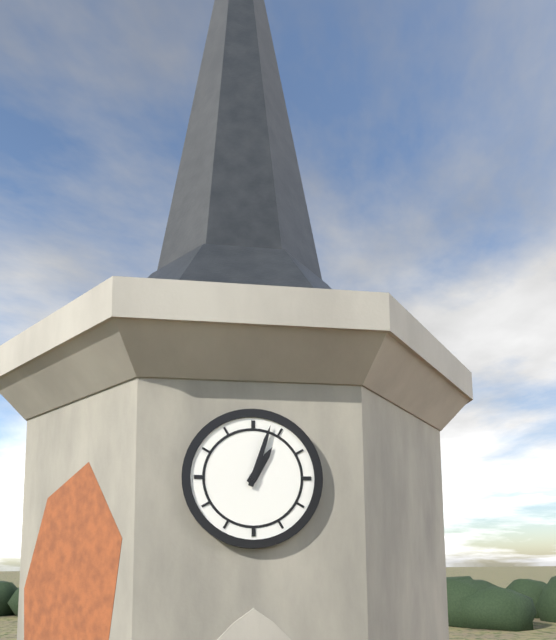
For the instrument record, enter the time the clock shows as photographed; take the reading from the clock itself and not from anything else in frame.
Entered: 1:03
